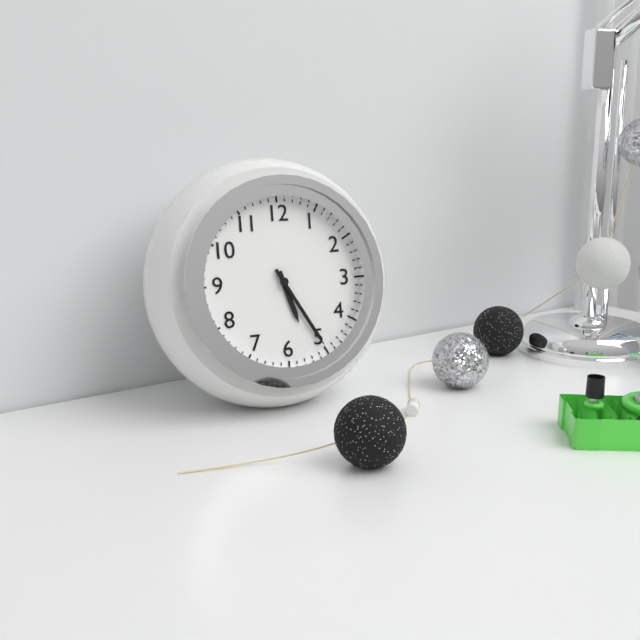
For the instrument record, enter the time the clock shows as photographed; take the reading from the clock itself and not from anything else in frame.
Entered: 5:25
